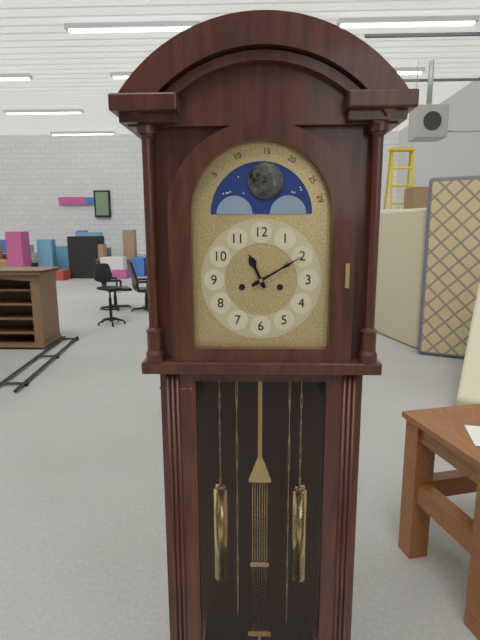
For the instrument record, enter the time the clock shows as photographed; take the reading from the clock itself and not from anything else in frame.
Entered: 11:10
